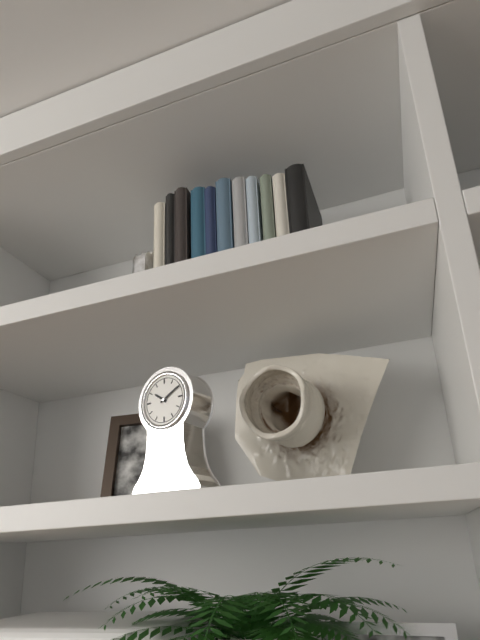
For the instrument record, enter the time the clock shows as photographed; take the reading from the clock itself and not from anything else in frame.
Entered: 10:10
